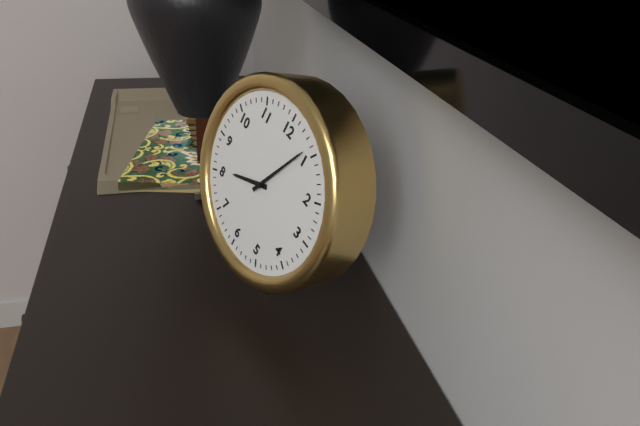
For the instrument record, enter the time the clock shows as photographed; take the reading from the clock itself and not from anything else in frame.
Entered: 8:04
